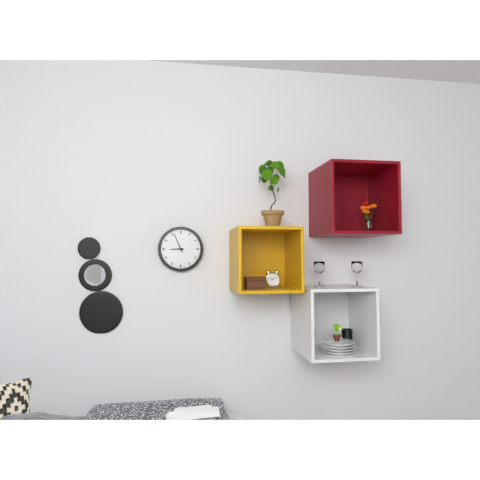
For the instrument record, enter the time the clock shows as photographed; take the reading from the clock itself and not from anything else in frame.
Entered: 8:56
